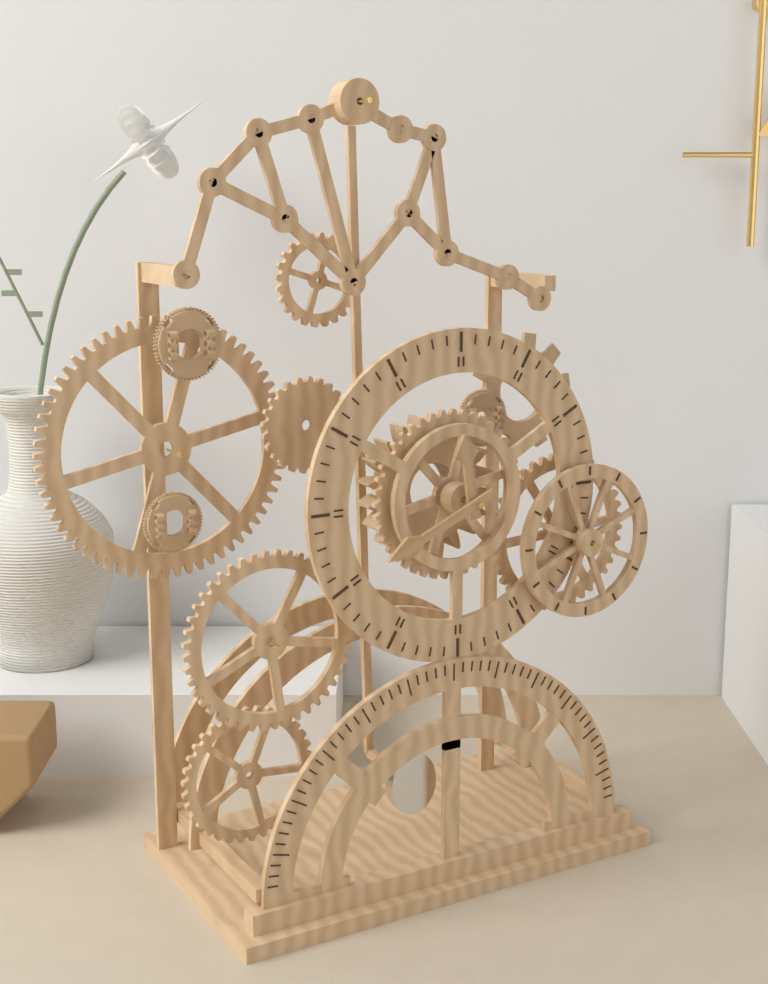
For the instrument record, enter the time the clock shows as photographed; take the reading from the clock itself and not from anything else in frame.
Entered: 11:41
